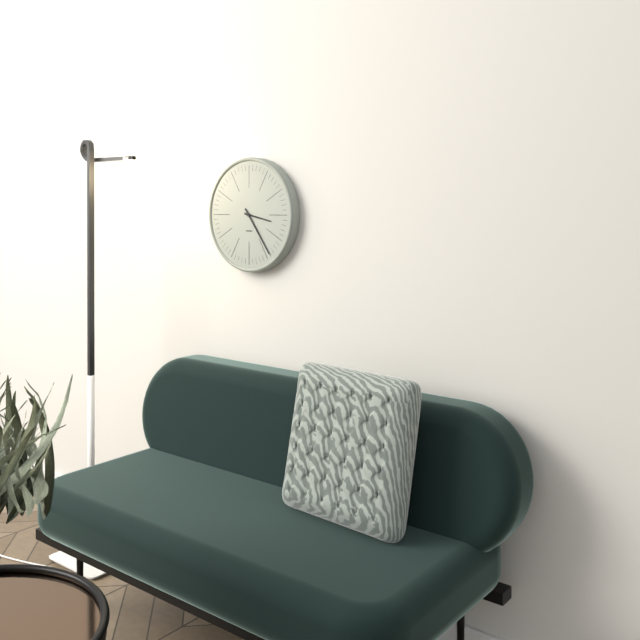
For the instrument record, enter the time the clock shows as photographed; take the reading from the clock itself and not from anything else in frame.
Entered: 3:24
